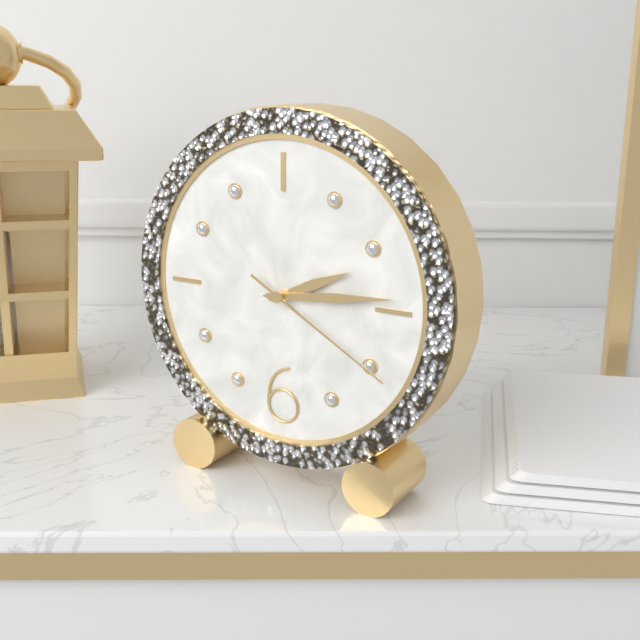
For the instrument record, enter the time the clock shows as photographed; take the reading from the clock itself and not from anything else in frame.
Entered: 2:14:20
